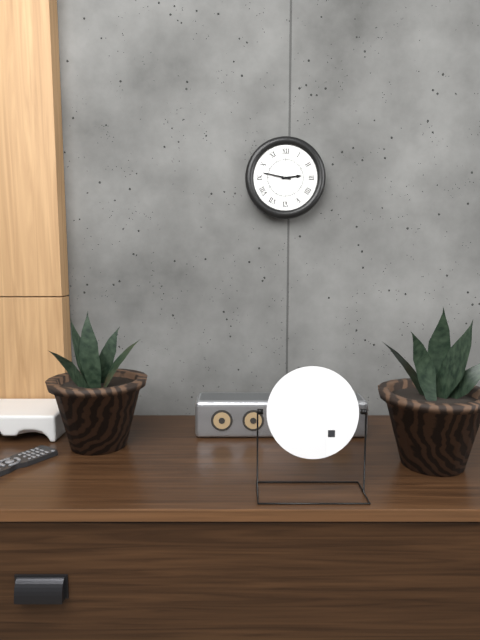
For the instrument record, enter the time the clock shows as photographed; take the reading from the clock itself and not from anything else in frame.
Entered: 2:47
